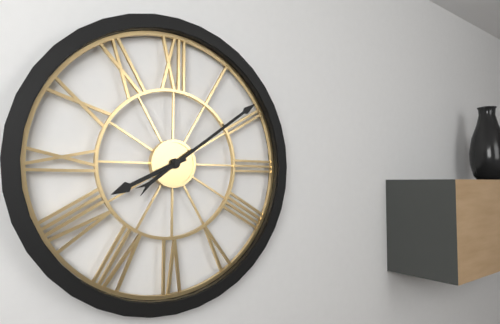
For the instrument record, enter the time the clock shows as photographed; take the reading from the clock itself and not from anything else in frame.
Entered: 8:09
